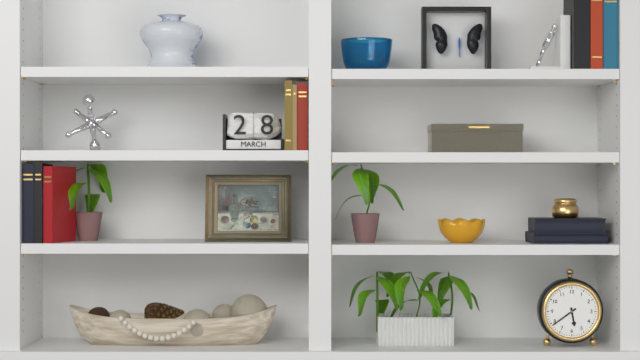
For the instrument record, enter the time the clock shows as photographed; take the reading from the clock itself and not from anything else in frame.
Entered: 5:39
